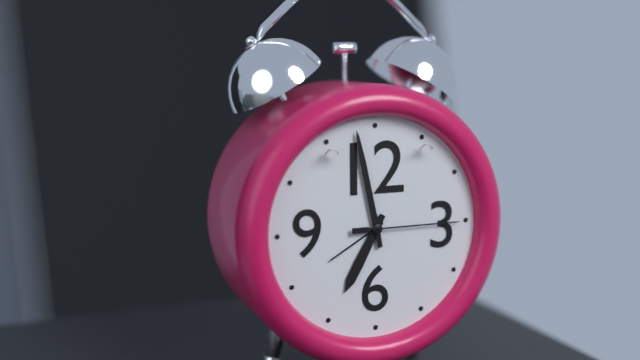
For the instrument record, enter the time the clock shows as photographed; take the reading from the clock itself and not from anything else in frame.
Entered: 6:58:15
